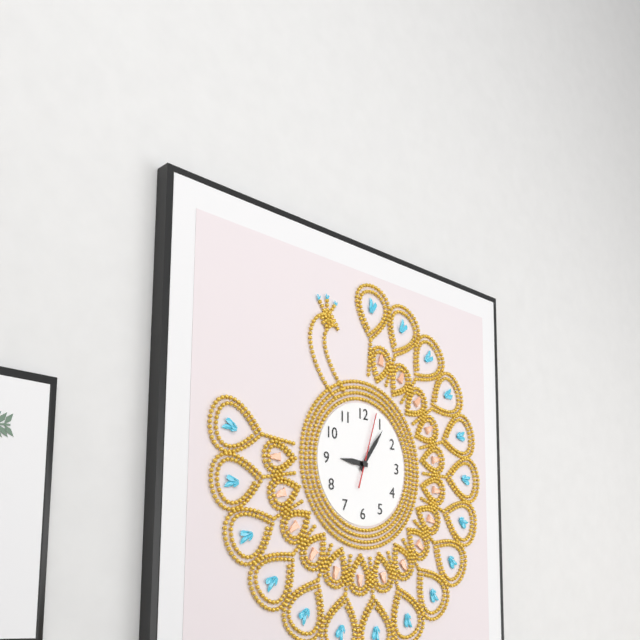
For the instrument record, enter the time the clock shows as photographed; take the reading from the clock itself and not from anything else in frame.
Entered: 9:06:03
